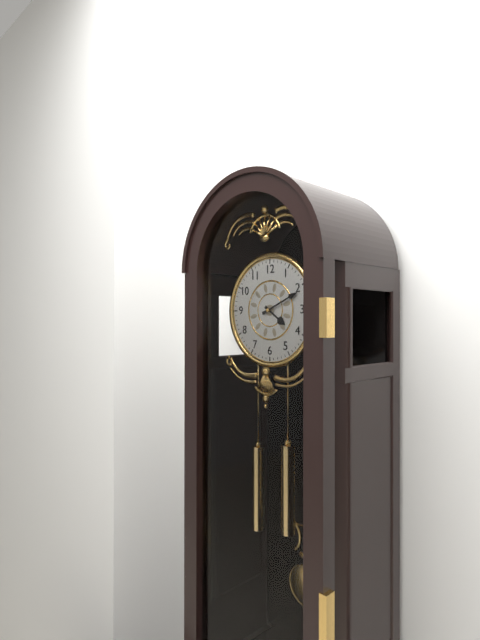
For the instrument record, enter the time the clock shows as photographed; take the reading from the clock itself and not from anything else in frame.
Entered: 4:11
